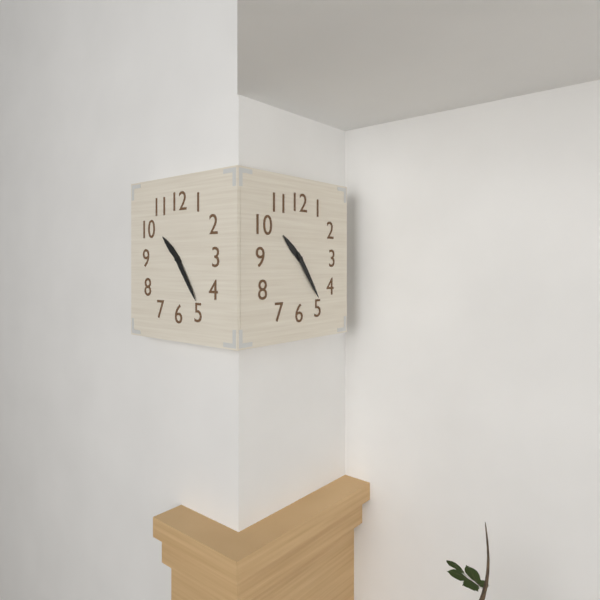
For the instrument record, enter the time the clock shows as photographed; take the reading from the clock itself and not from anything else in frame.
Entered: 10:24
